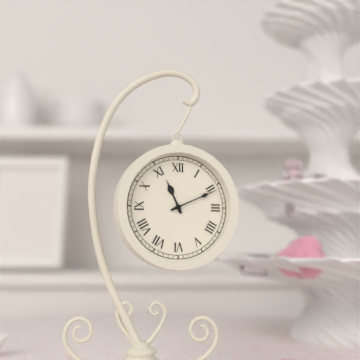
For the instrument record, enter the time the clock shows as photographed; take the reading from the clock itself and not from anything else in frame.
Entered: 11:11
